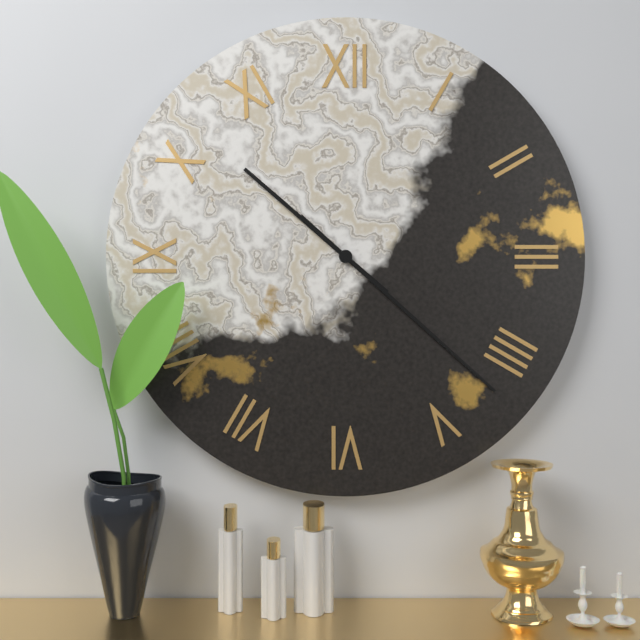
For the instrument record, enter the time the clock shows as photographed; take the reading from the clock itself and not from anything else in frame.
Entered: 10:22
